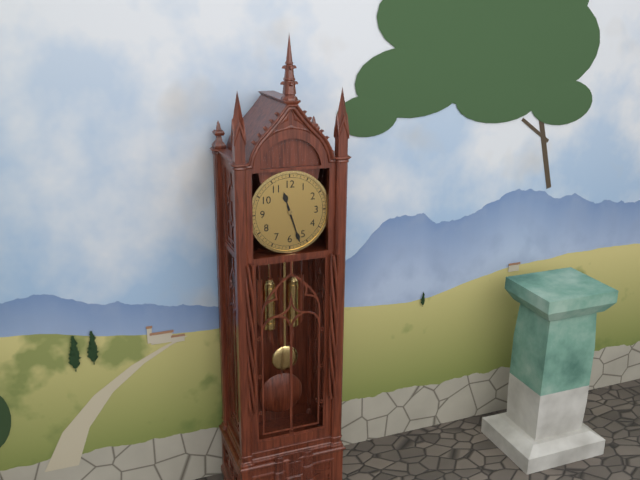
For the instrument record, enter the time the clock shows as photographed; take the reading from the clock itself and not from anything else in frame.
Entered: 11:27
